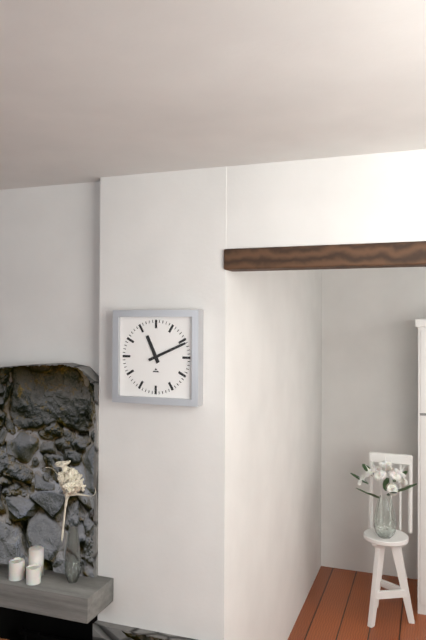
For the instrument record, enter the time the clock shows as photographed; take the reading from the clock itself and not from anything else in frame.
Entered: 11:11
